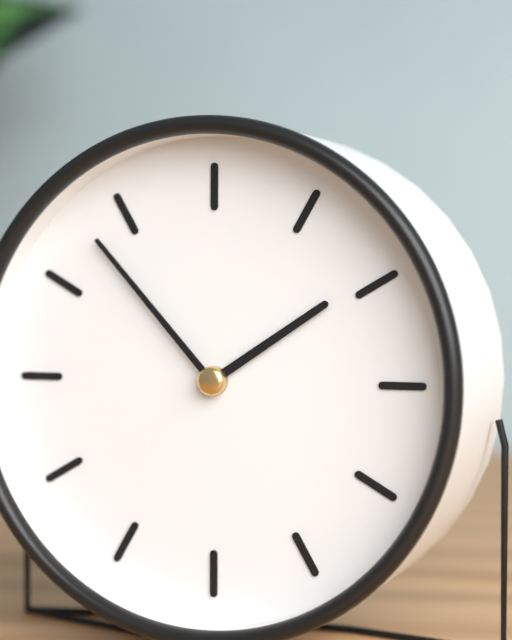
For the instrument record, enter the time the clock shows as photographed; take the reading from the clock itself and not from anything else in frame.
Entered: 1:53
